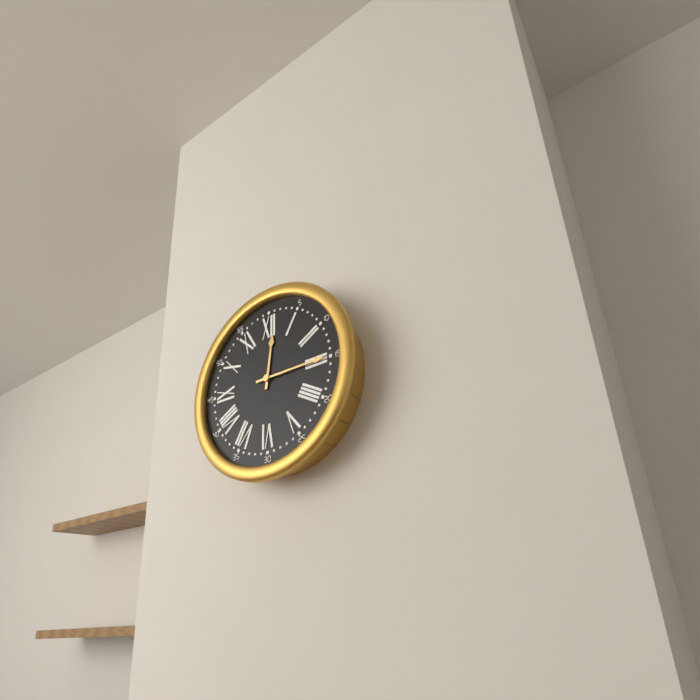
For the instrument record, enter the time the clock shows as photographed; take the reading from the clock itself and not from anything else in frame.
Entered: 12:15
